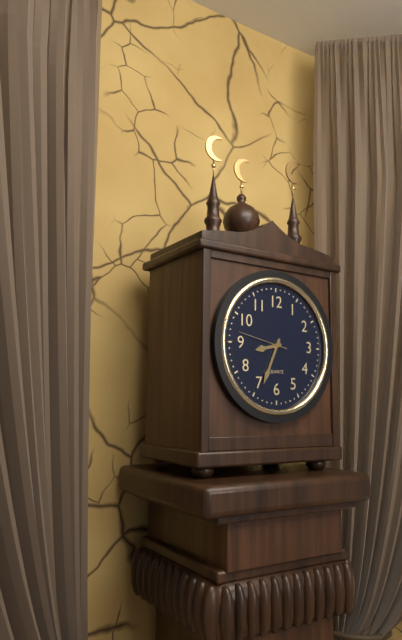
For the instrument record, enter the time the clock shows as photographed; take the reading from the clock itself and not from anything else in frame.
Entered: 8:34:47
